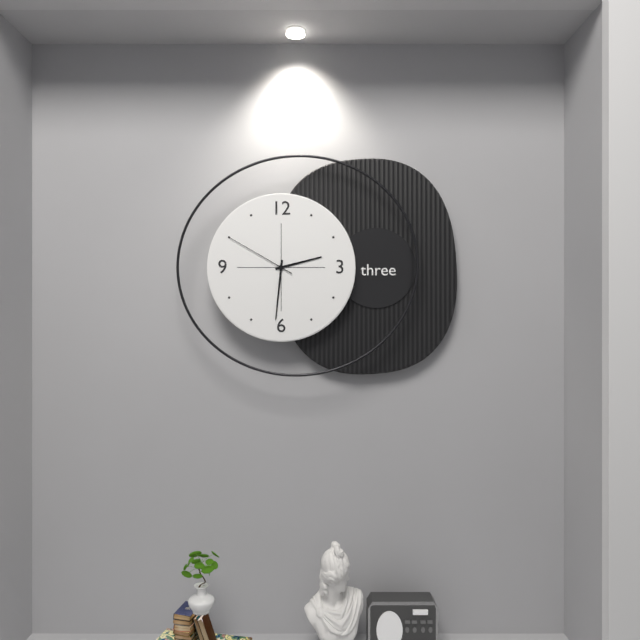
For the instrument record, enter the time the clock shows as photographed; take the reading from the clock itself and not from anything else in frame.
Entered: 2:31:50
